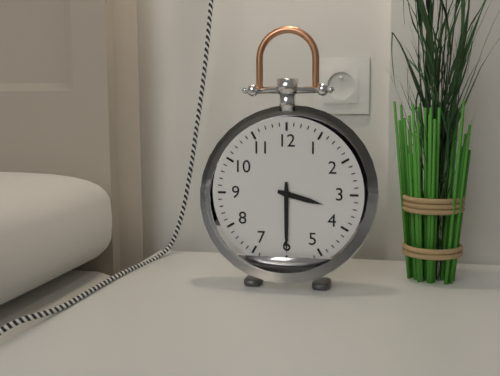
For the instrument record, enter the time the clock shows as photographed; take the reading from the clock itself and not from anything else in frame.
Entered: 3:30
